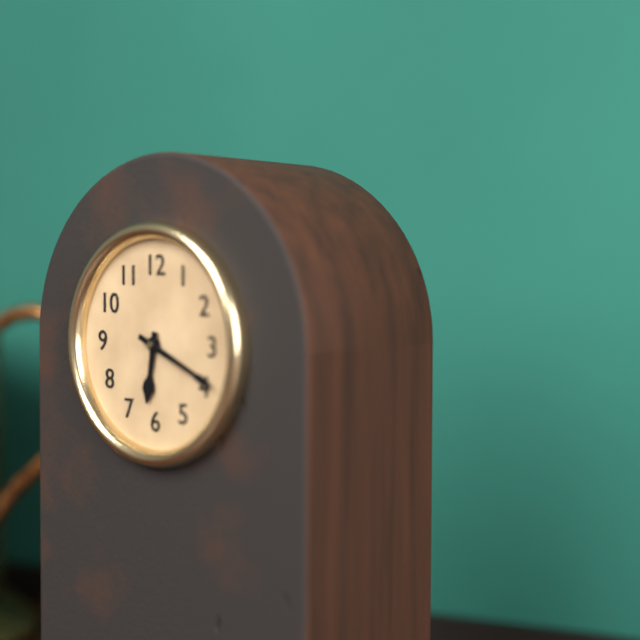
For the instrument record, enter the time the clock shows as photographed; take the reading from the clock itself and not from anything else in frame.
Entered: 6:19
